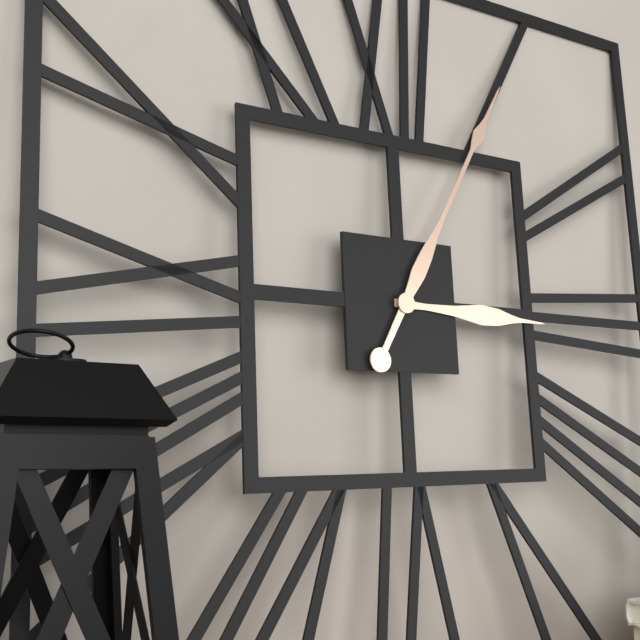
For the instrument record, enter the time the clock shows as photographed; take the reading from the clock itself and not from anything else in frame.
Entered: 3:05
